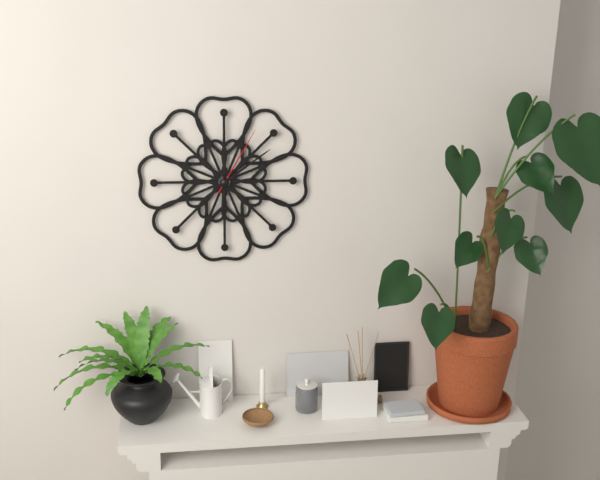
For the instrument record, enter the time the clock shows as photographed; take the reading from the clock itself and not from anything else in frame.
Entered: 6:09:05
